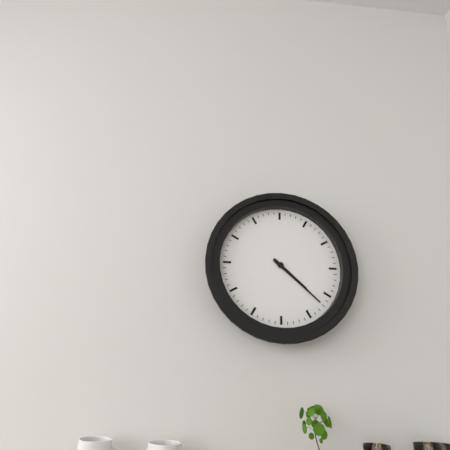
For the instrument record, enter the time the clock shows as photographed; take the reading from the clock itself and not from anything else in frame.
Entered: 4:22
